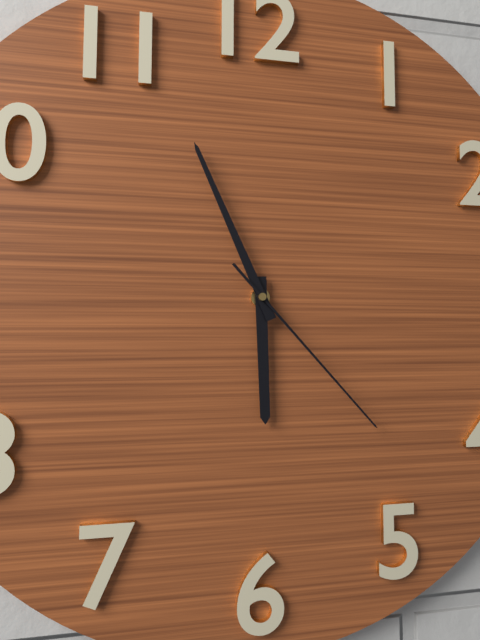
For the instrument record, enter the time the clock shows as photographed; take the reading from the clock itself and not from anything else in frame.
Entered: 5:56:23
